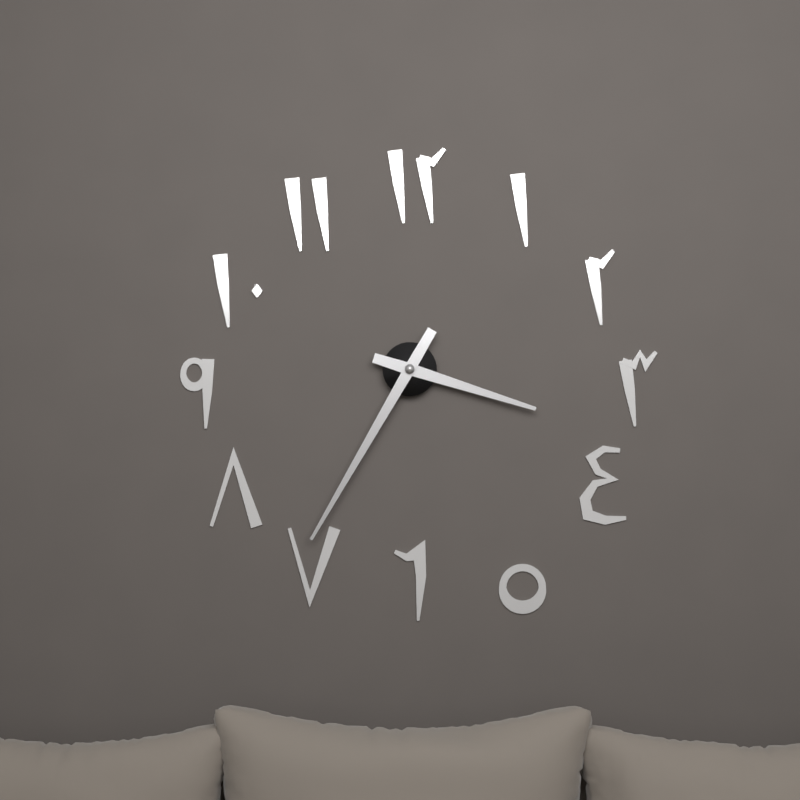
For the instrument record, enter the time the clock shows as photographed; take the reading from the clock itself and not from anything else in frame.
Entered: 3:35
